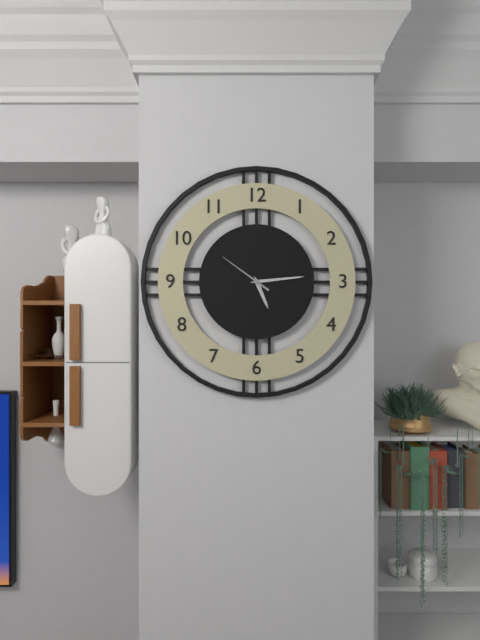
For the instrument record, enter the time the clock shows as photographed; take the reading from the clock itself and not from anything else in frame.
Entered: 5:14:51
